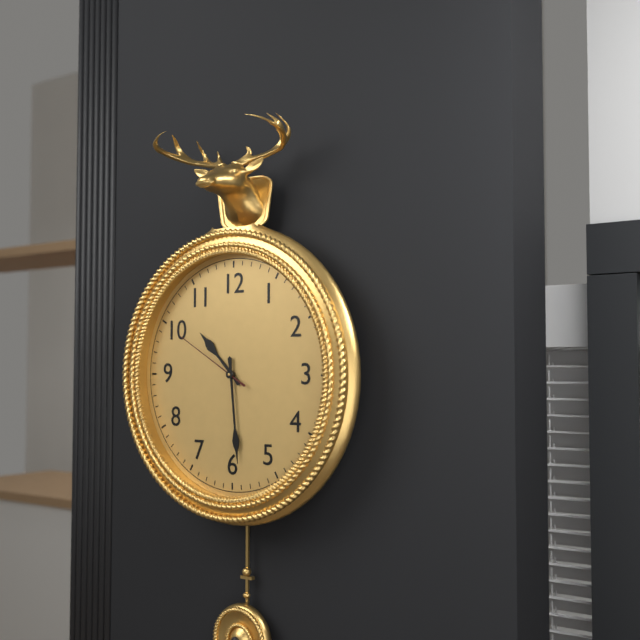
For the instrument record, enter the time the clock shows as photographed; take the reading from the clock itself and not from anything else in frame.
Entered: 10:29:50
